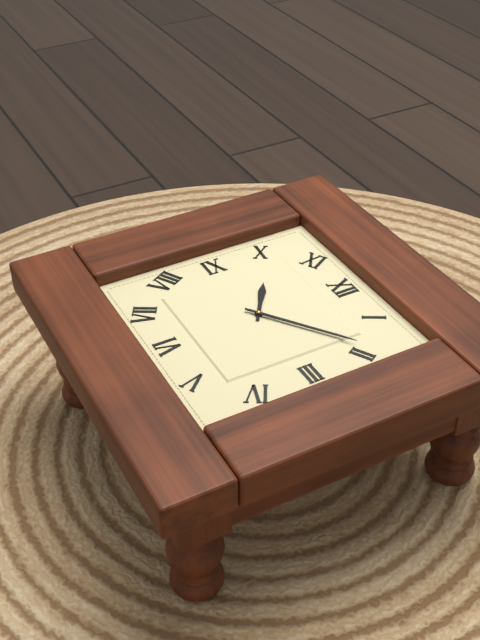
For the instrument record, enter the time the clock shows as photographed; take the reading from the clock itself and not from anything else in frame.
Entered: 10:09
